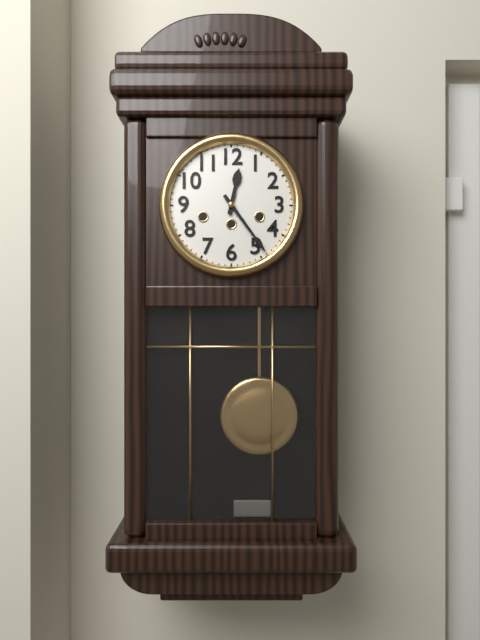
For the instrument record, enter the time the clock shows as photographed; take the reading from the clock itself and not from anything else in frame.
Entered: 12:24
